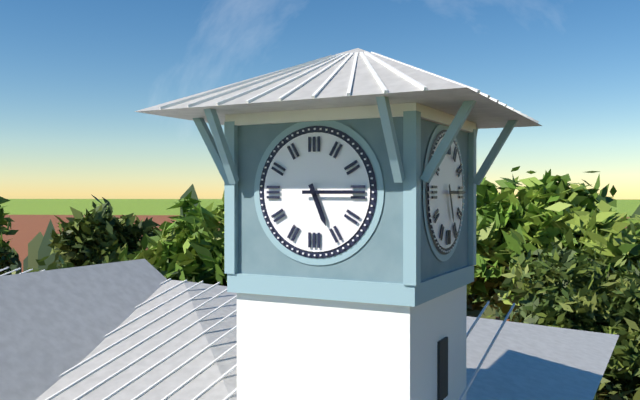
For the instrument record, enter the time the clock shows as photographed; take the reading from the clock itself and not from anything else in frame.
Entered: 5:15
